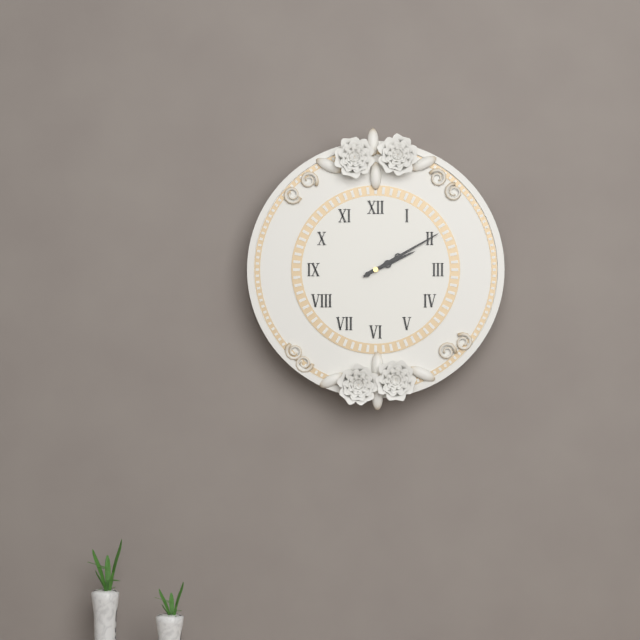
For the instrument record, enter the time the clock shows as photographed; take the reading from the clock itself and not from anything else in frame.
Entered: 2:10
